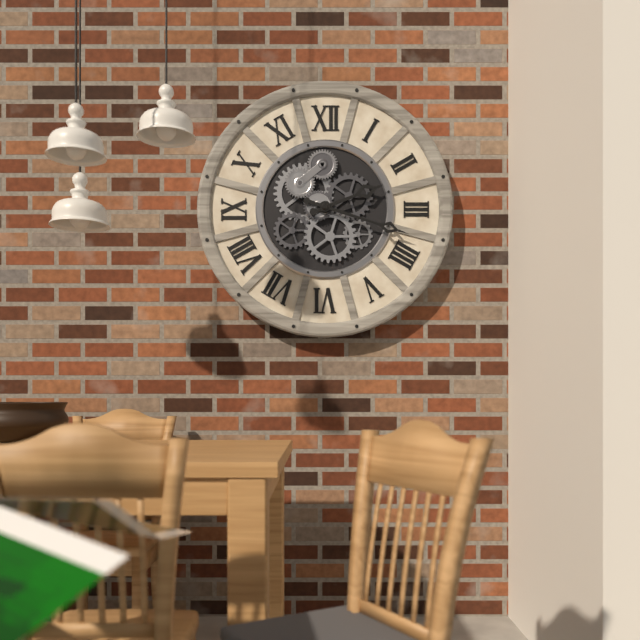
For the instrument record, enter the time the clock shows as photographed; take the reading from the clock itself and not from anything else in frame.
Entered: 2:18
